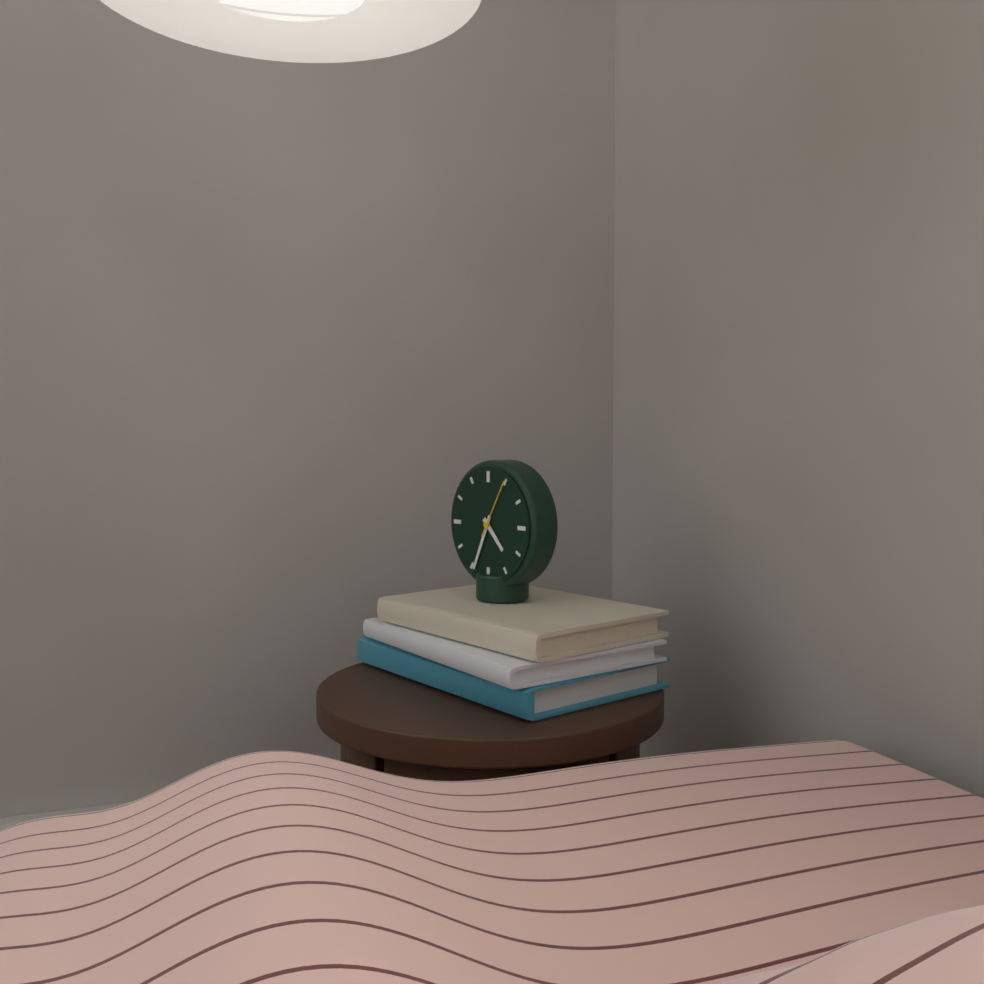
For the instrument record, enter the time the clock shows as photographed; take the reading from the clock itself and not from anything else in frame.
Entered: 4:34:05
